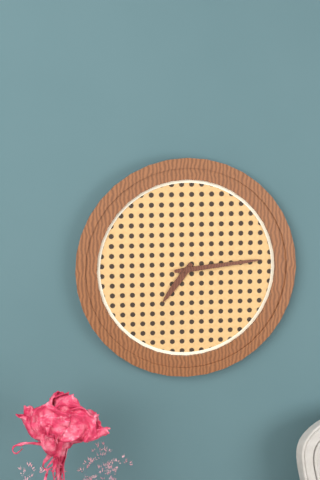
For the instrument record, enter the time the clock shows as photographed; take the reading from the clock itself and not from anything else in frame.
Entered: 7:14
